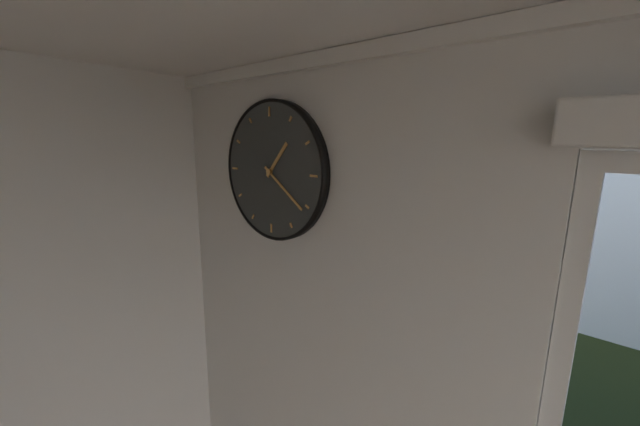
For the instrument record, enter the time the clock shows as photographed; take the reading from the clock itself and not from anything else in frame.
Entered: 1:21
